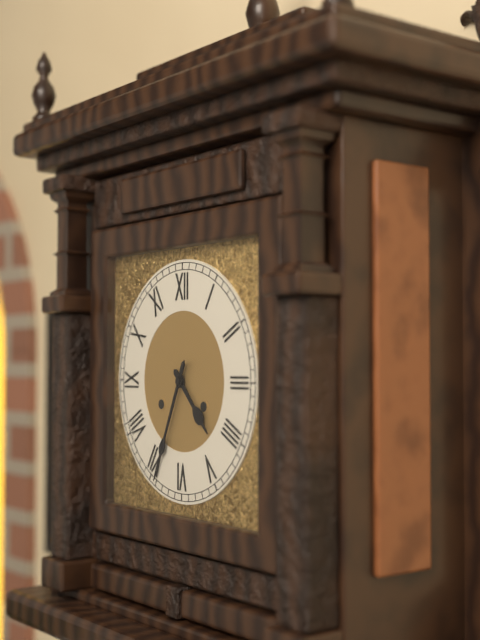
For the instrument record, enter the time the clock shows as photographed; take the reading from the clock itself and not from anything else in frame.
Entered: 4:34
